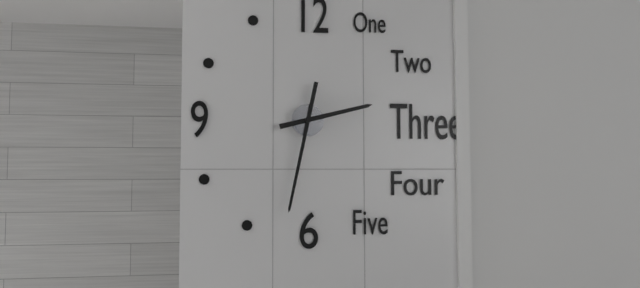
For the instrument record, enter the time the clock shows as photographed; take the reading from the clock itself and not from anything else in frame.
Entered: 2:32
